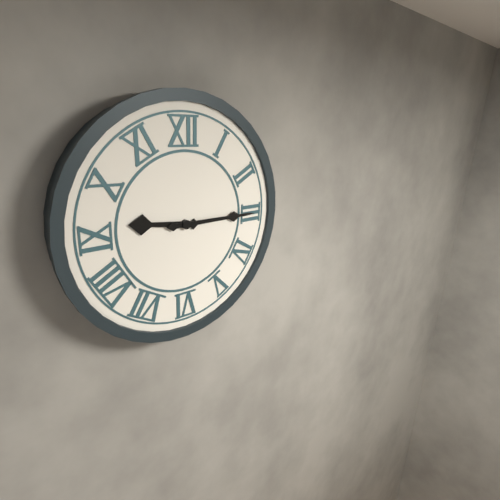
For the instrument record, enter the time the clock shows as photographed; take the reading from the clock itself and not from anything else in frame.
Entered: 9:15
